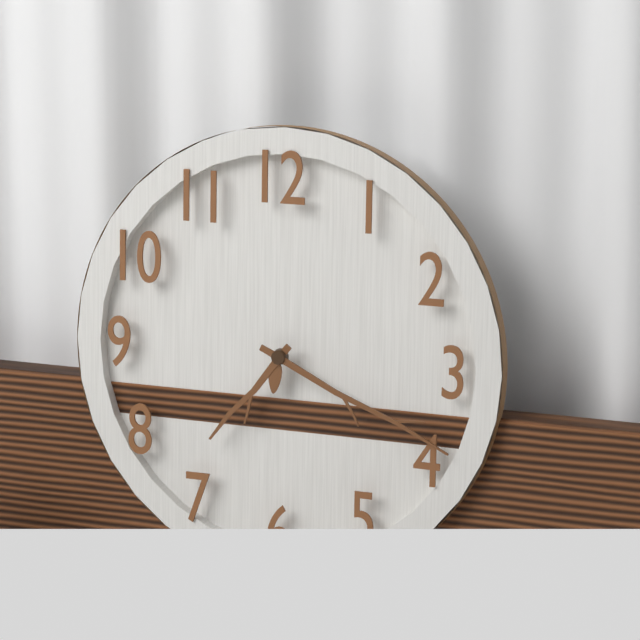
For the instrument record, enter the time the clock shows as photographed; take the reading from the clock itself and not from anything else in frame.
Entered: 7:19
